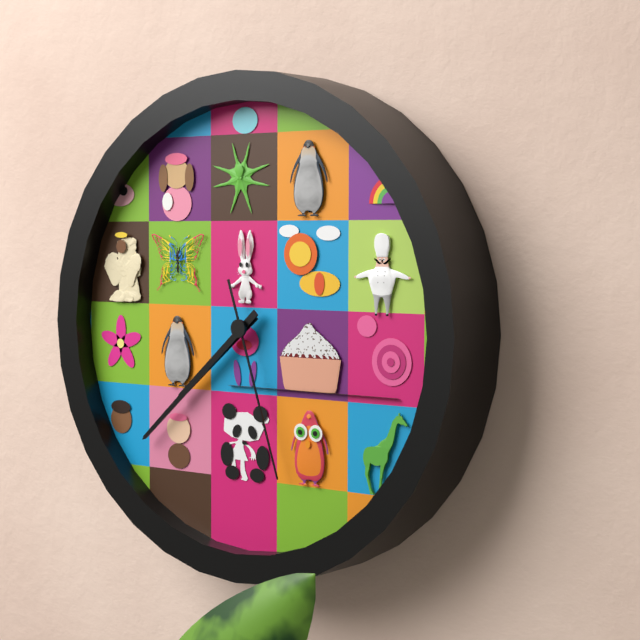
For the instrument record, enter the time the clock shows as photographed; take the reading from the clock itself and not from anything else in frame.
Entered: 7:38:27
